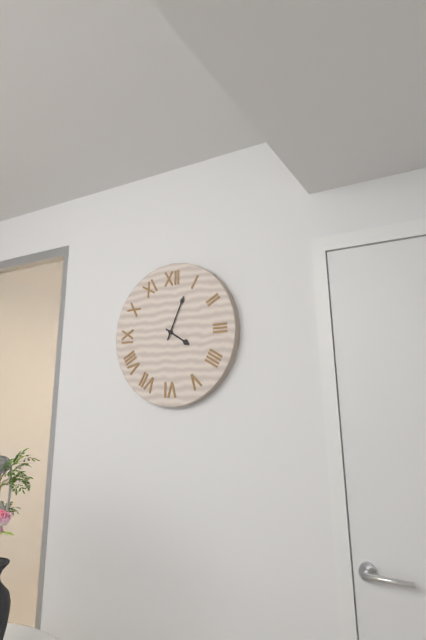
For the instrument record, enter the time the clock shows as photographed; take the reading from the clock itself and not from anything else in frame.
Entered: 4:04
